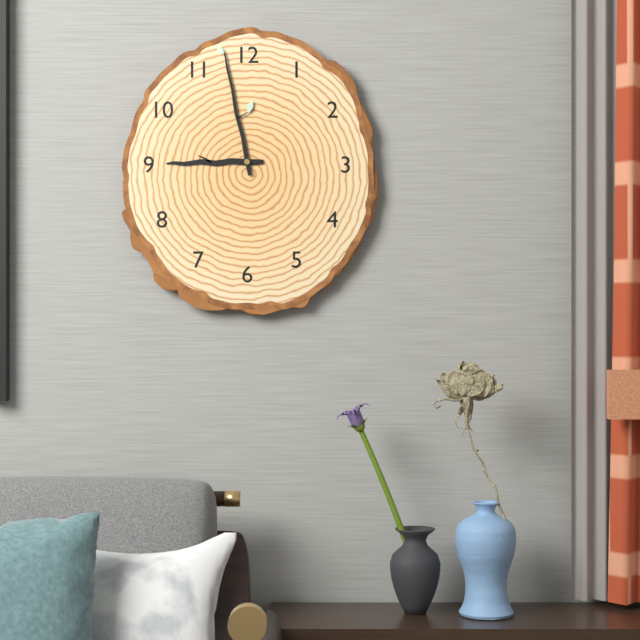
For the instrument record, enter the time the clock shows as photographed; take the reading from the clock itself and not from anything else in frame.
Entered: 8:58
